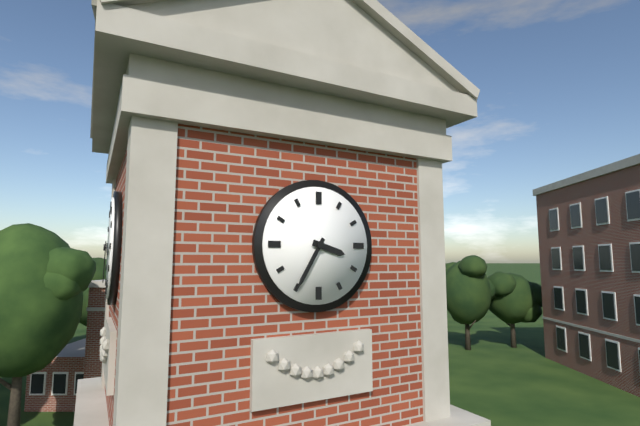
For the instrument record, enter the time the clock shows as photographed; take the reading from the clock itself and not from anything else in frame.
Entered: 3:35
